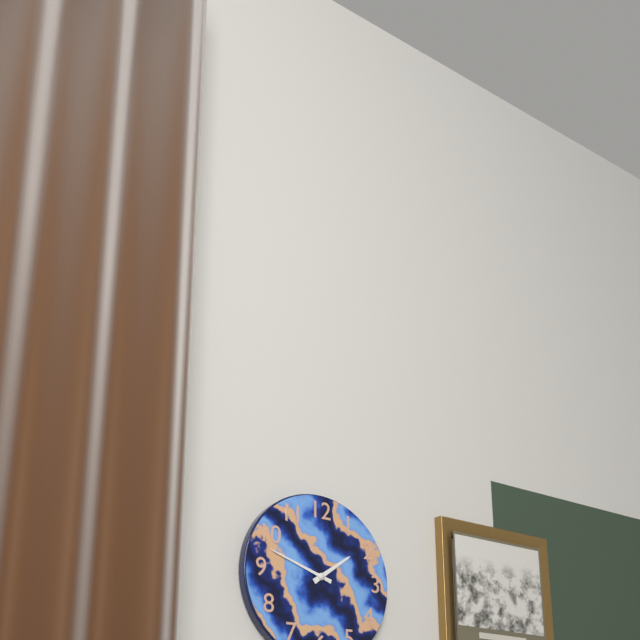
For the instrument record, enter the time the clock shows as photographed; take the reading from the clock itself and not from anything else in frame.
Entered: 1:48
